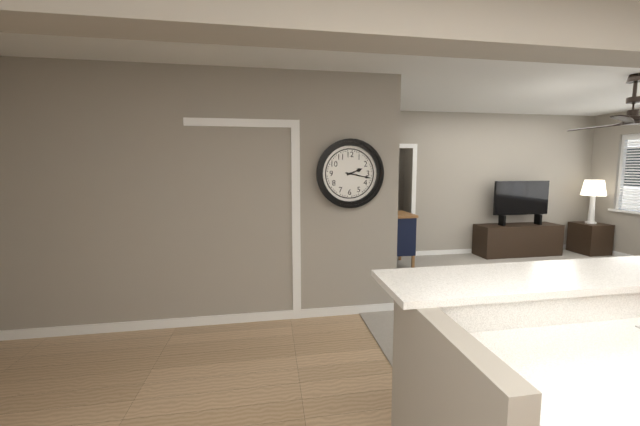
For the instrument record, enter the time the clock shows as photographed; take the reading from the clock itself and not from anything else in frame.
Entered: 2:17
